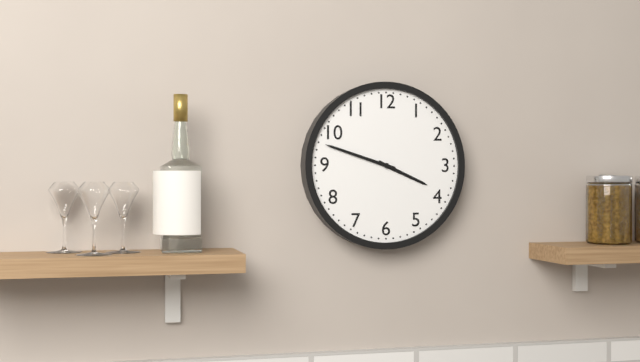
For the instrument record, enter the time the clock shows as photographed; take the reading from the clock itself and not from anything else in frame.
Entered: 3:48
